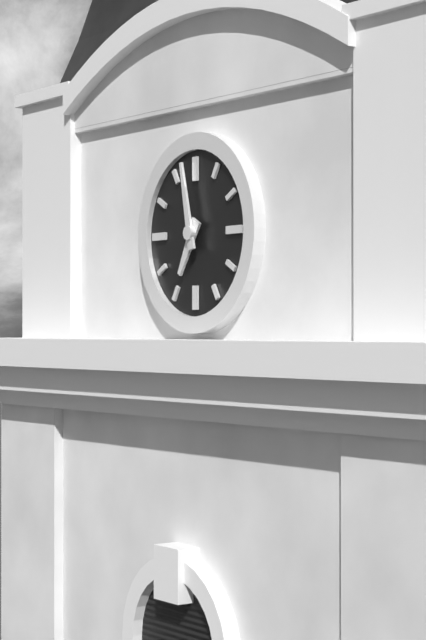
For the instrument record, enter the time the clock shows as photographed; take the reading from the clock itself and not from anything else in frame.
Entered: 6:58
